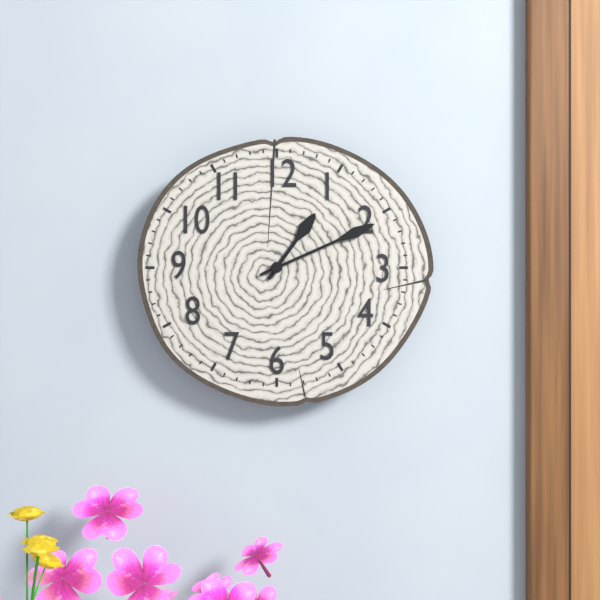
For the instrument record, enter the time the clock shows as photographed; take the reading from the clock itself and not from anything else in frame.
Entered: 1:11
